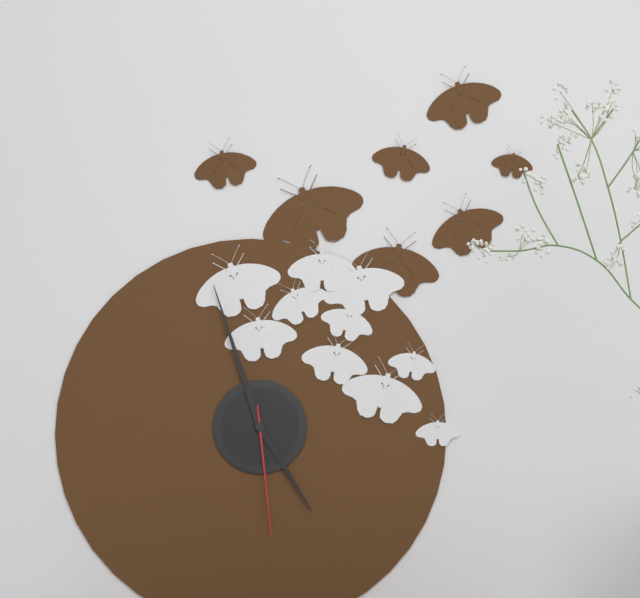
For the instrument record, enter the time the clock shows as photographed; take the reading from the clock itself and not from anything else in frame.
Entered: 4:57:29
